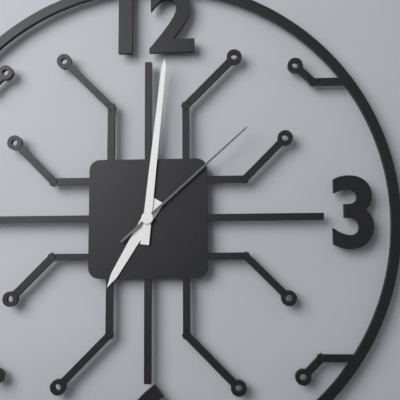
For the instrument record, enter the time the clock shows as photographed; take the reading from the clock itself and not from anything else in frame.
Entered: 7:01:08
